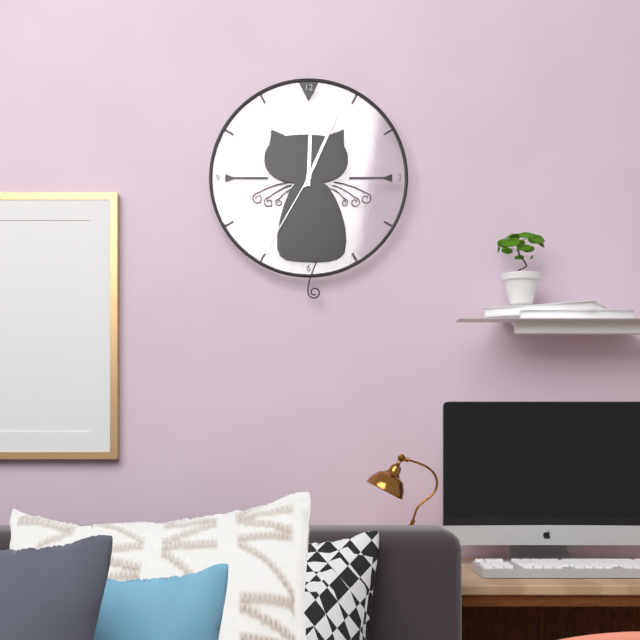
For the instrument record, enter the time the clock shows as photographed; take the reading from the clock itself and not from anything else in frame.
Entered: 12:04:35
